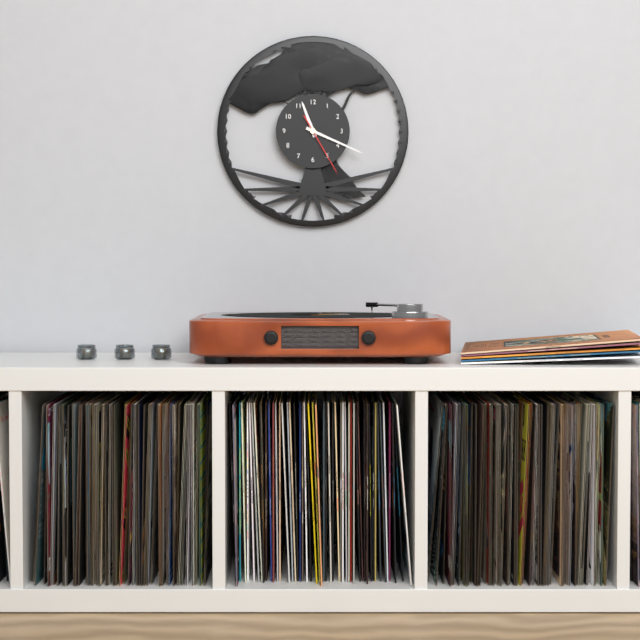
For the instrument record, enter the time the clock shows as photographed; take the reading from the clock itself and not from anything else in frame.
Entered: 11:19:25
